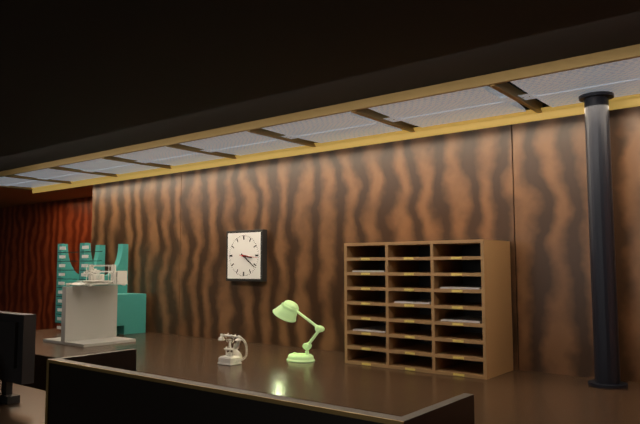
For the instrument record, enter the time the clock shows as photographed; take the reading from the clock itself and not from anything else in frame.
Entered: 3:21
